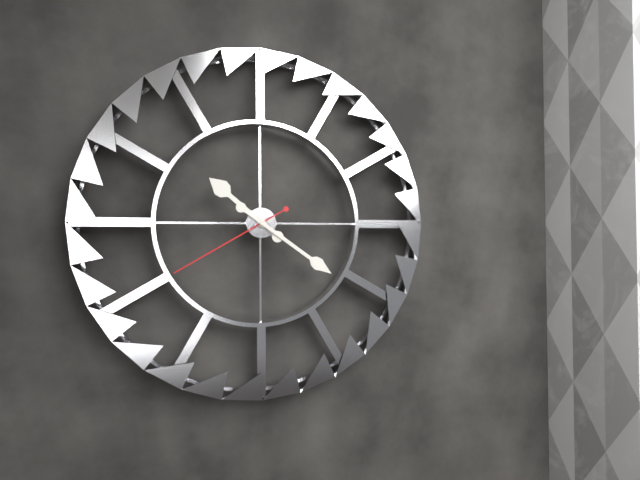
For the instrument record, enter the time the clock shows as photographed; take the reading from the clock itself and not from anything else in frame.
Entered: 10:21:40
